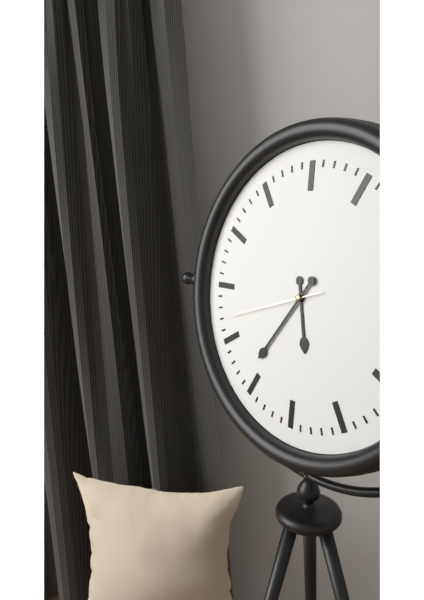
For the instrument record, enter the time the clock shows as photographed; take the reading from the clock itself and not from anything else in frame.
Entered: 5:36:42
